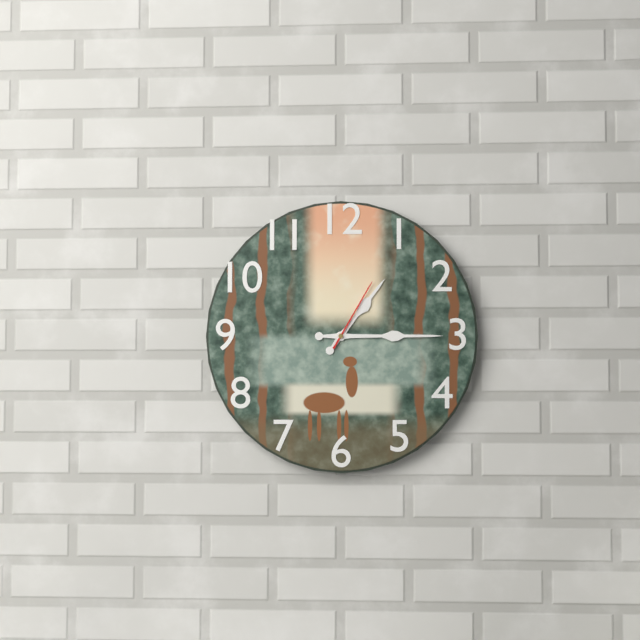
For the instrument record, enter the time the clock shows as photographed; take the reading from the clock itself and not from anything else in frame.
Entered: 1:15:05
